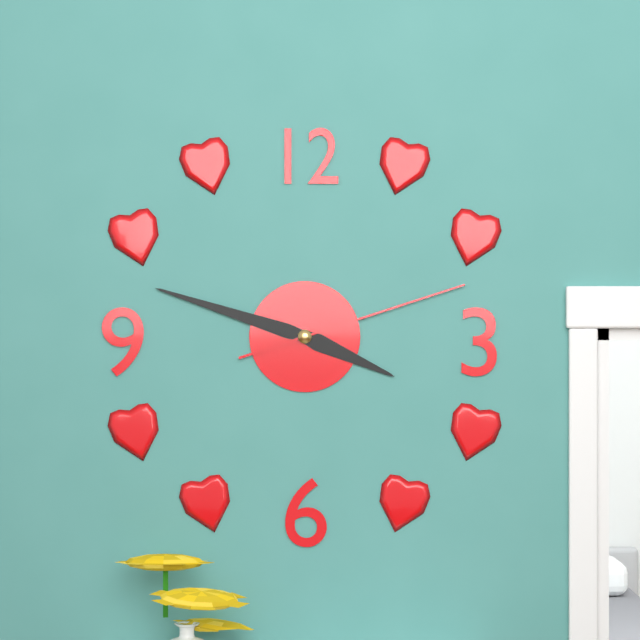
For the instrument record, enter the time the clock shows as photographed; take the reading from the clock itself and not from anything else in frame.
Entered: 3:48:12
